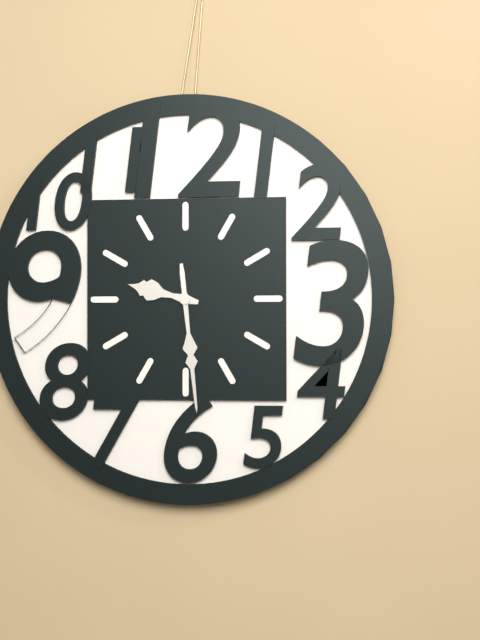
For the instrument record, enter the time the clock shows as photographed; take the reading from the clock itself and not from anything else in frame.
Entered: 9:29
